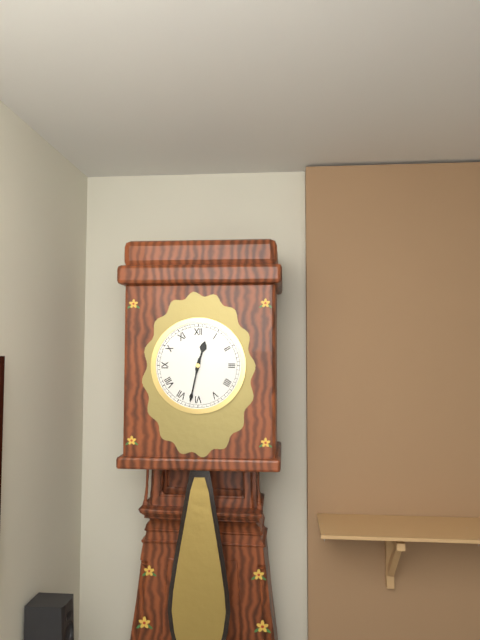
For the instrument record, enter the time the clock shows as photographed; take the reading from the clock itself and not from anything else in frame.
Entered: 12:32
